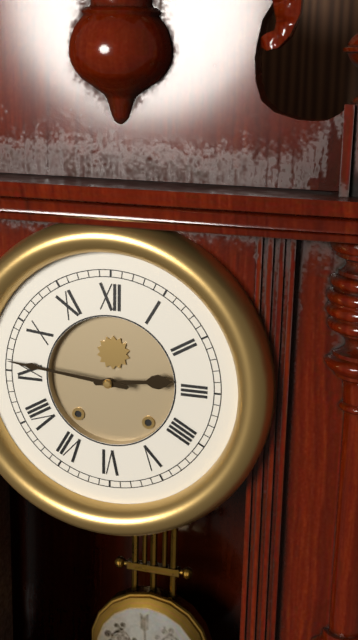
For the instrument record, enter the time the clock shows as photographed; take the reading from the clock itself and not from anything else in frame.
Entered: 2:46
